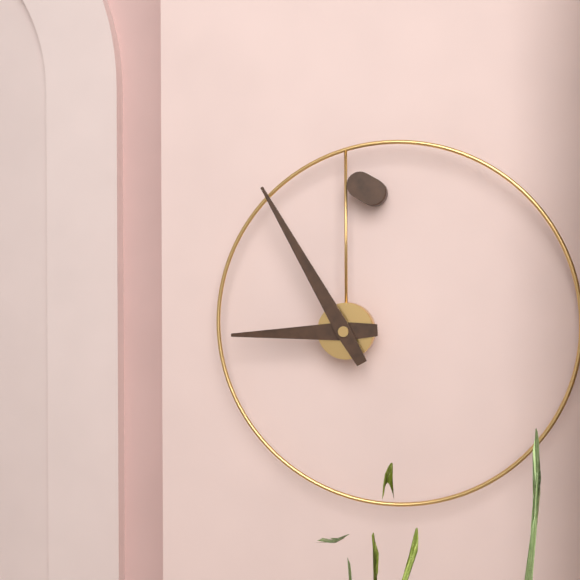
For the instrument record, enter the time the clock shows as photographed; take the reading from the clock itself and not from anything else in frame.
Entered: 8:55
